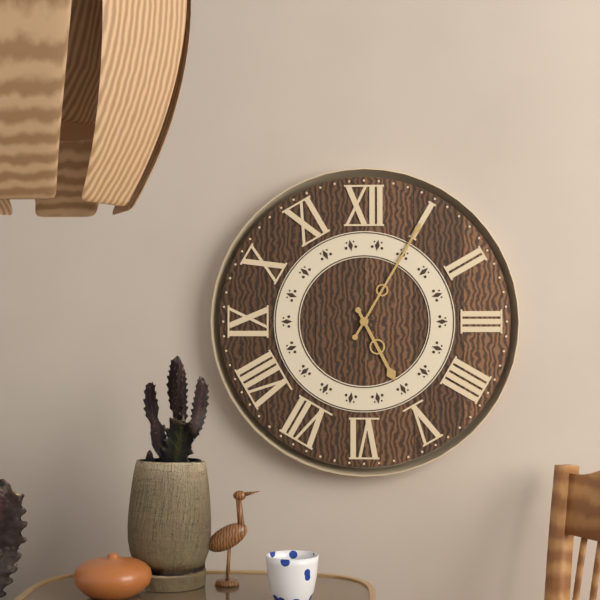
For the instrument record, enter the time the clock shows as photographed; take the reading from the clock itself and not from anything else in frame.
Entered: 5:05
